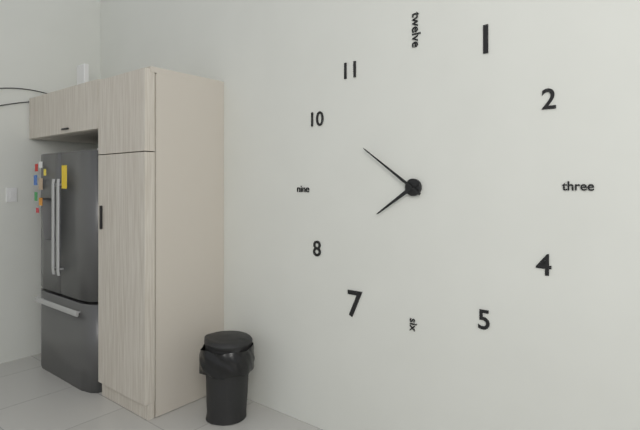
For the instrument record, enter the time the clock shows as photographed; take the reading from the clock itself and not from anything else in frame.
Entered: 7:51
